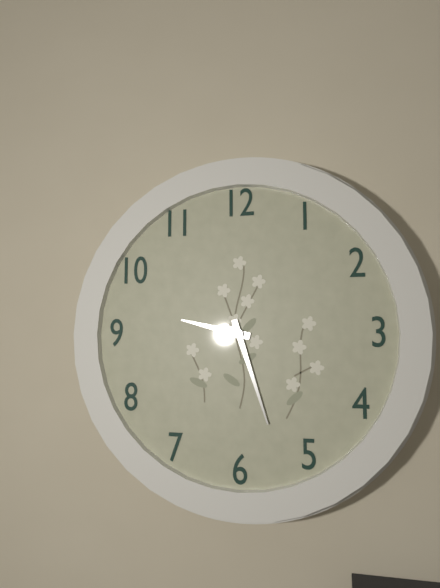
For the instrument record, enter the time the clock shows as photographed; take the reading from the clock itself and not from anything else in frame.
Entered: 9:27
